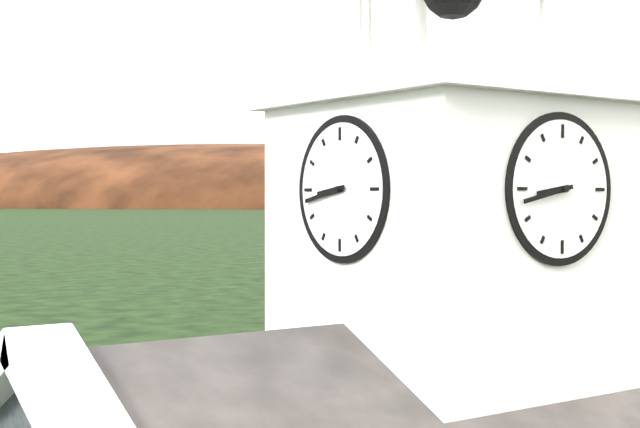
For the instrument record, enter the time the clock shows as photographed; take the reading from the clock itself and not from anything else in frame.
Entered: 8:43
